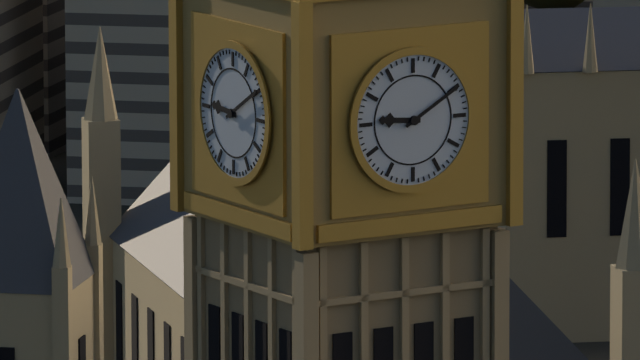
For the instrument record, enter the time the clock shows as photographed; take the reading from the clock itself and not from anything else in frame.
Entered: 9:10
